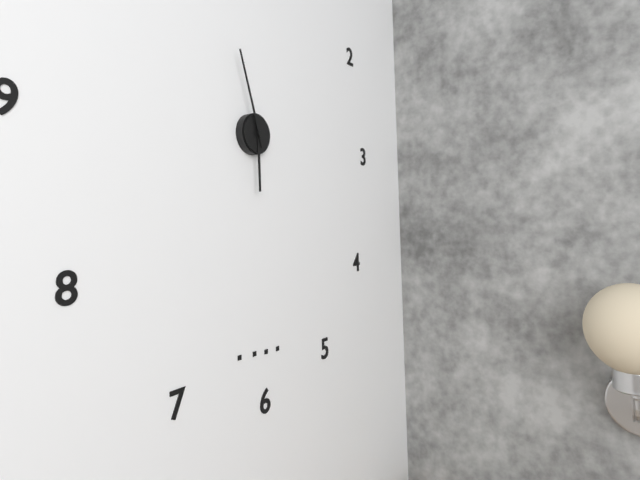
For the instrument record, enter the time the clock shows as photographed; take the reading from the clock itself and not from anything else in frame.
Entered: 5:57
